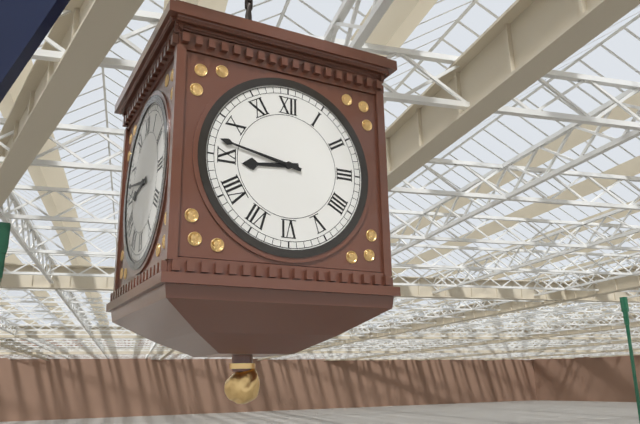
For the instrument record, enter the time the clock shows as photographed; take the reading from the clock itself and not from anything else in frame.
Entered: 8:47
